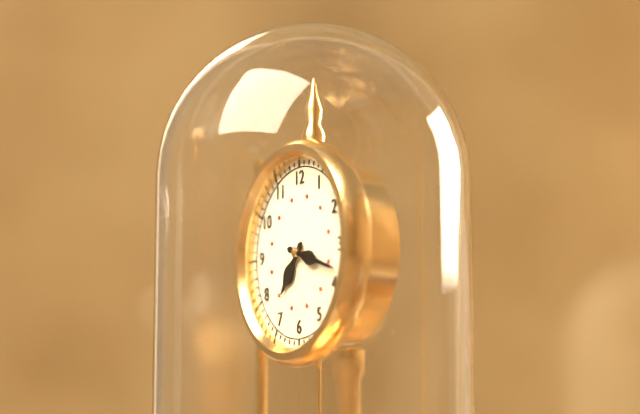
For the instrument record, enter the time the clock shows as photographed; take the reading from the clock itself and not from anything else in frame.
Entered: 7:18
